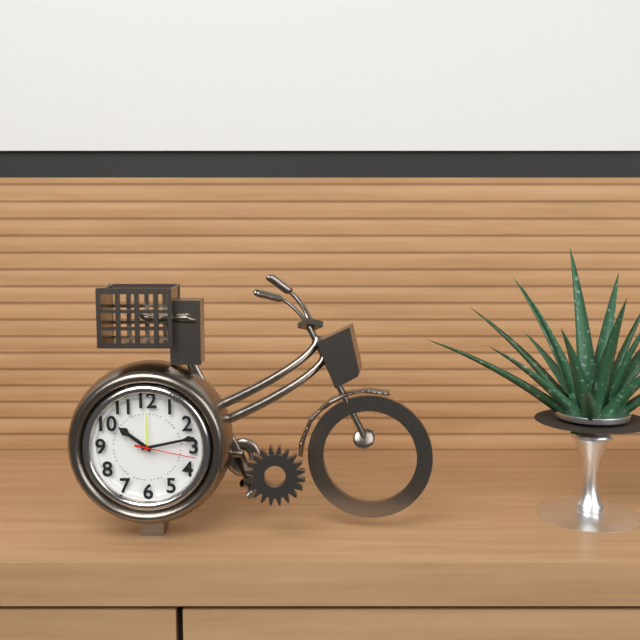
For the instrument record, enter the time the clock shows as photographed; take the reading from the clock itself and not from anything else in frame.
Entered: 10:13:17
